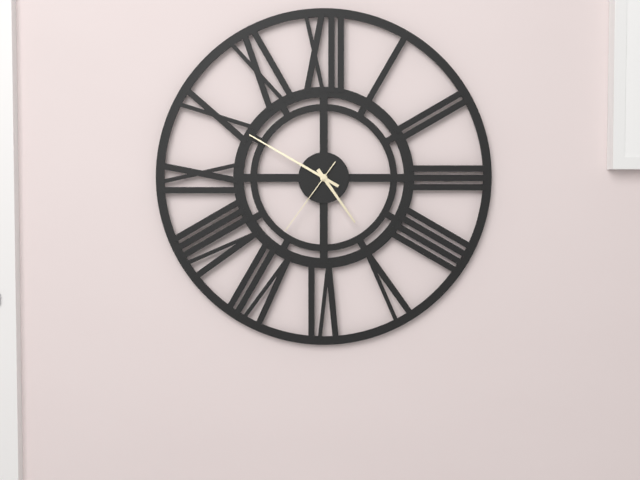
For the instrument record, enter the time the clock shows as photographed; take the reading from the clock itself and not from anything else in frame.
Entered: 4:50:36
